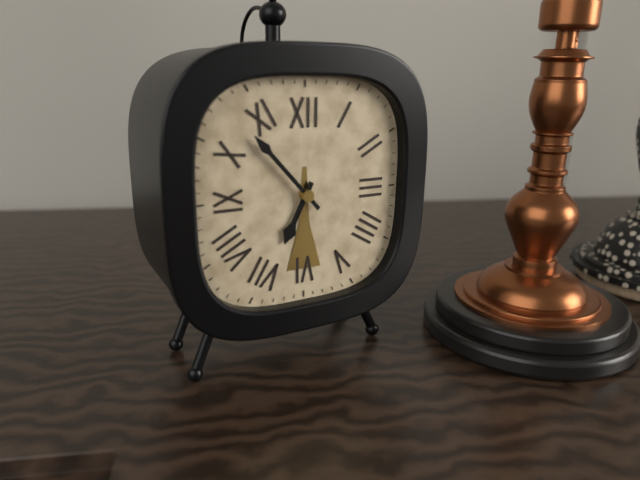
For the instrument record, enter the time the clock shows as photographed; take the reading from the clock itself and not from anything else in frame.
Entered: 6:53
